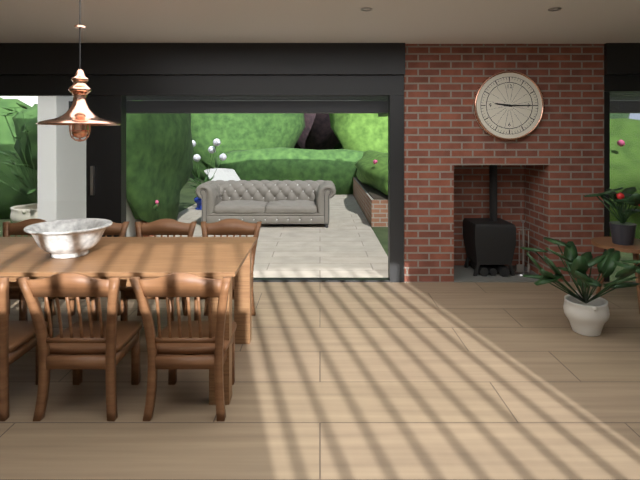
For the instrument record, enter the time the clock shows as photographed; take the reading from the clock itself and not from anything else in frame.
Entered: 9:15
